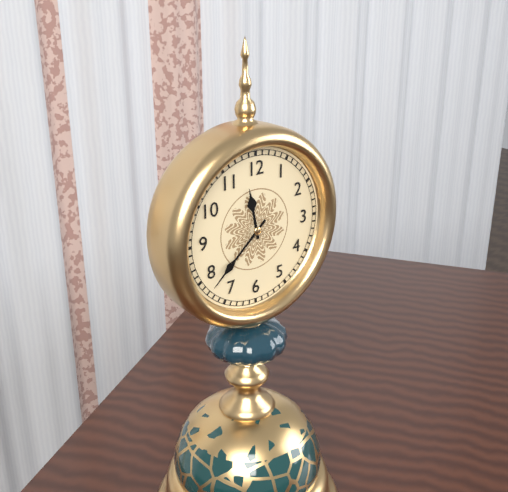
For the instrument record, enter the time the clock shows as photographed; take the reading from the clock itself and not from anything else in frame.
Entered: 11:38
